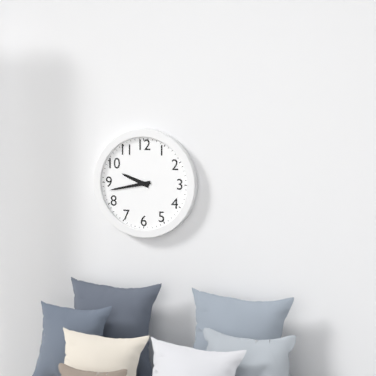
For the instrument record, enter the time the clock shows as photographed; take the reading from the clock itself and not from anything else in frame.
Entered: 9:43
